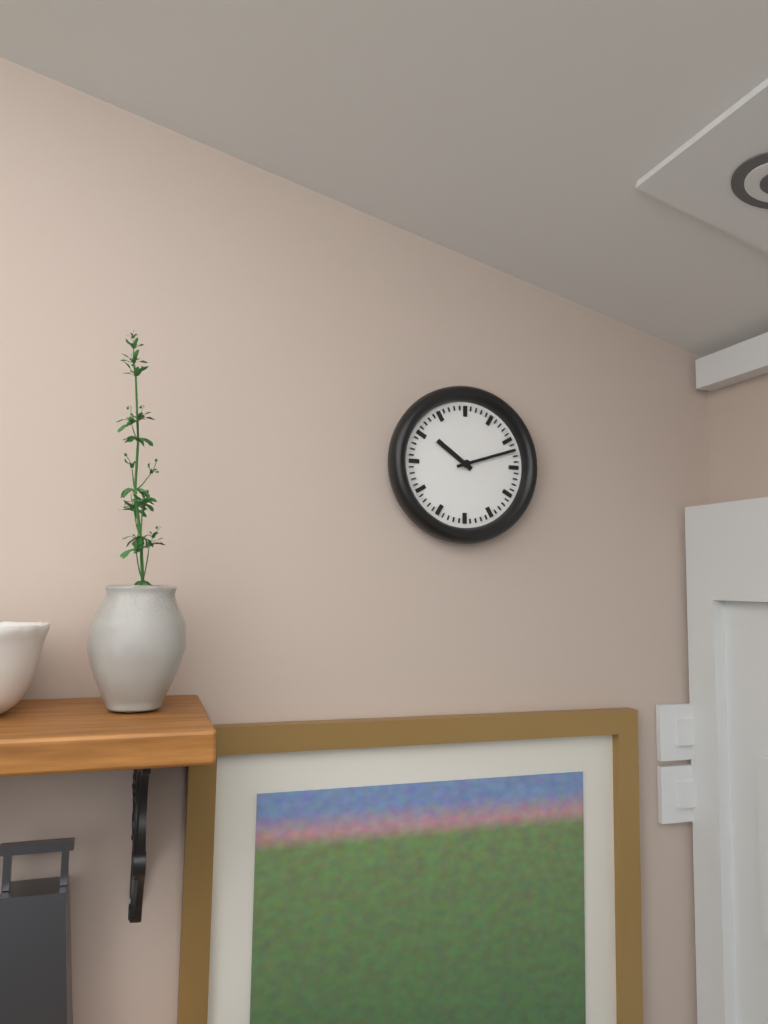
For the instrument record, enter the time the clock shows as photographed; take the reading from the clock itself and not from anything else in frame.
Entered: 10:12
